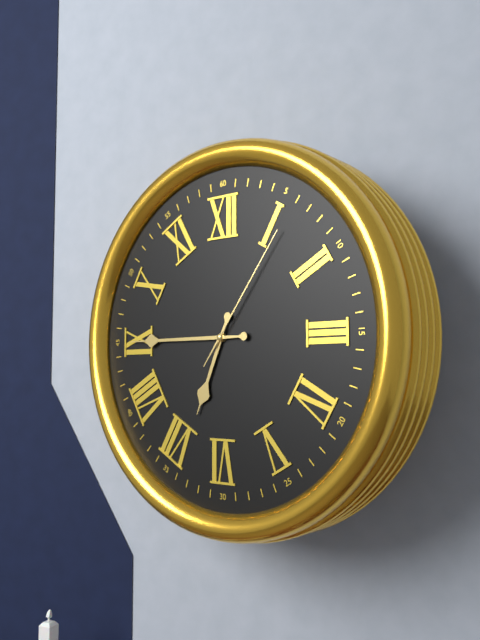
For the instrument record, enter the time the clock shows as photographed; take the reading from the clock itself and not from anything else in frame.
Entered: 6:45:06
